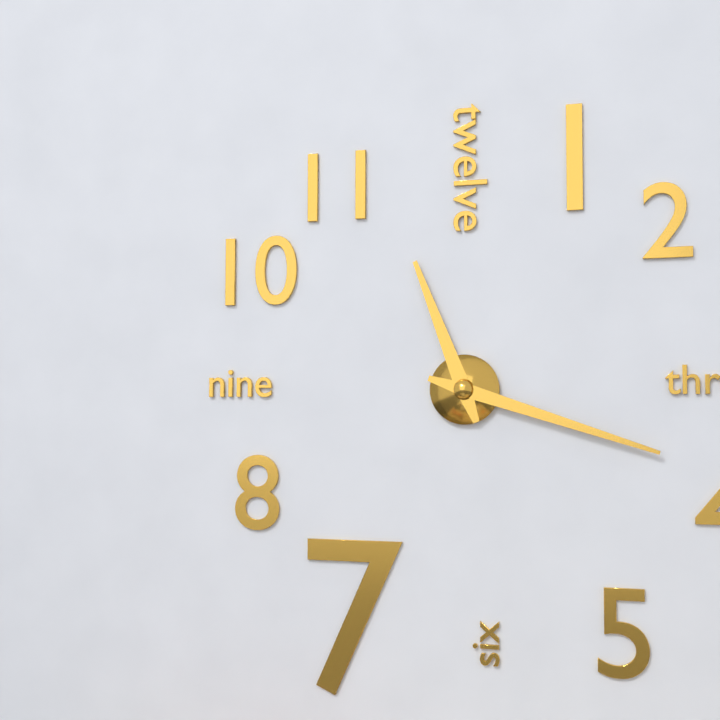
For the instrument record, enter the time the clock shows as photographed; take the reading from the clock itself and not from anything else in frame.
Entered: 11:18
